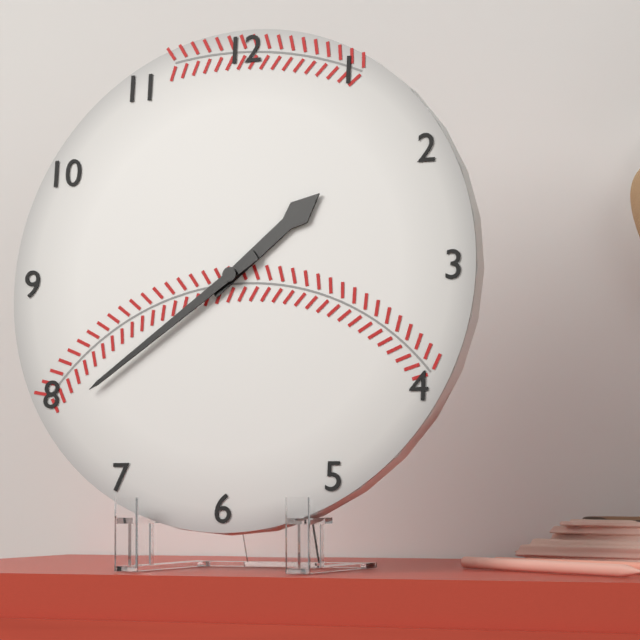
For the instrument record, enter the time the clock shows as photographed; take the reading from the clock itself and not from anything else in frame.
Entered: 1:39
